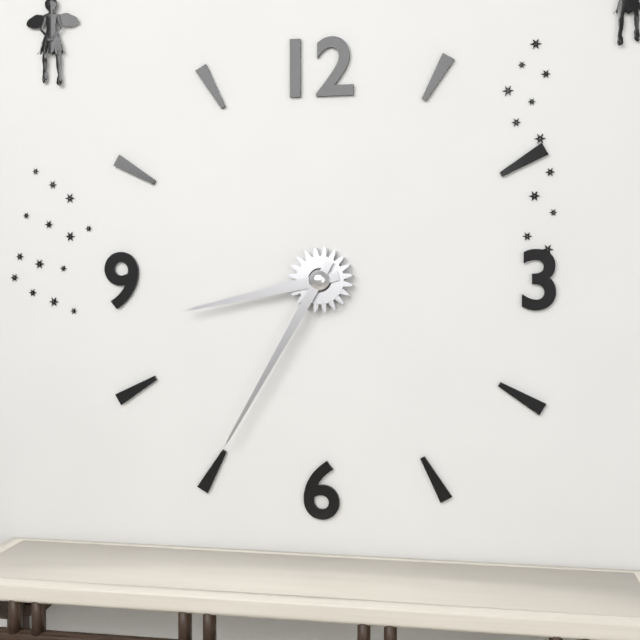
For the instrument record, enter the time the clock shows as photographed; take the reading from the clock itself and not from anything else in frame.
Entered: 8:35
